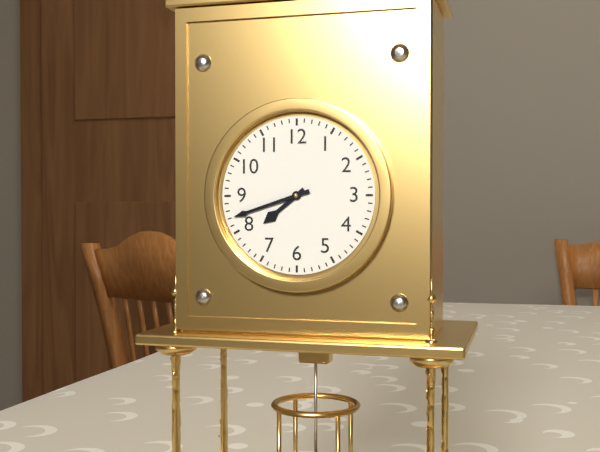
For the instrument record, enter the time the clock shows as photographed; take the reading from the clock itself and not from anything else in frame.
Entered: 7:42
